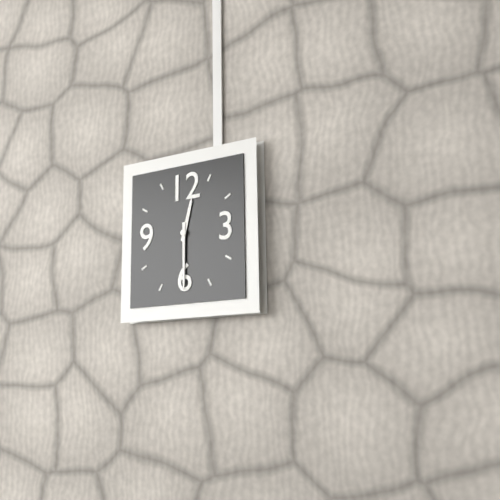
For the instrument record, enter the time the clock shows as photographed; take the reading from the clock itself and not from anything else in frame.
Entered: 12:30
